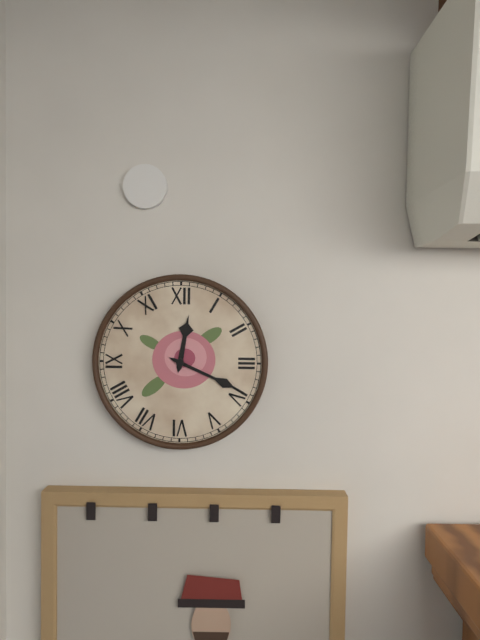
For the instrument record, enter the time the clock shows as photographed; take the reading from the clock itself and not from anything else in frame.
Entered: 12:19
